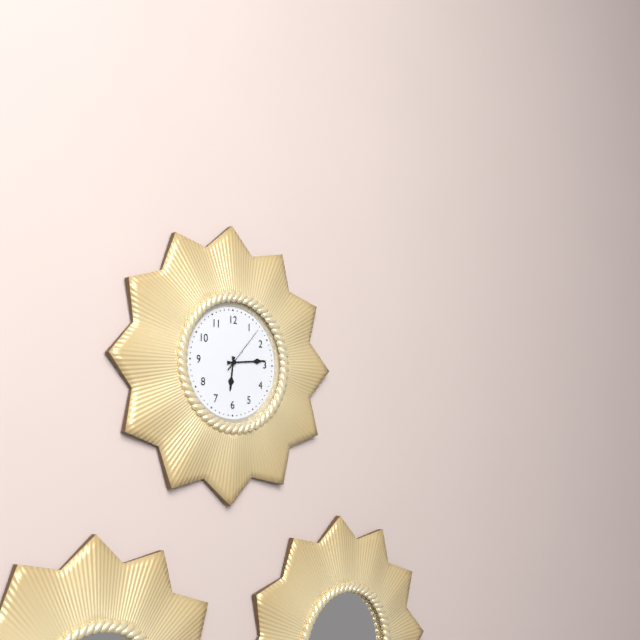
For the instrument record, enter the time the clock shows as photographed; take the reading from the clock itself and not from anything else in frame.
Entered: 6:14:07
